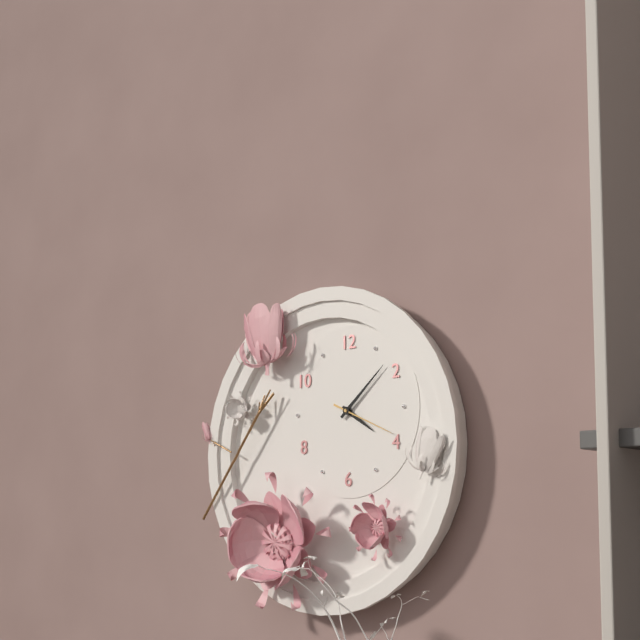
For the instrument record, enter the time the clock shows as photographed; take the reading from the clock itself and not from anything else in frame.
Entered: 4:08:19
